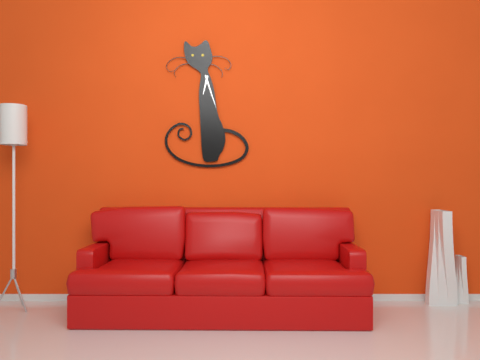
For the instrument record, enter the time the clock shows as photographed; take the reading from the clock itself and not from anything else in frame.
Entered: 6:27
